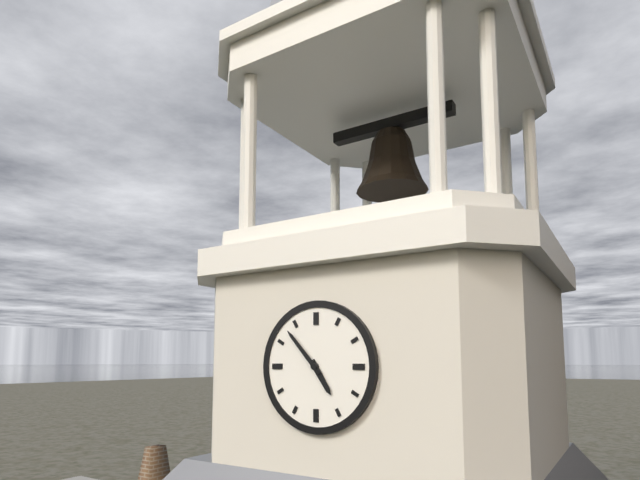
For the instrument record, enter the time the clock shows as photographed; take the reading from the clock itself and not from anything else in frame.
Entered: 4:53
